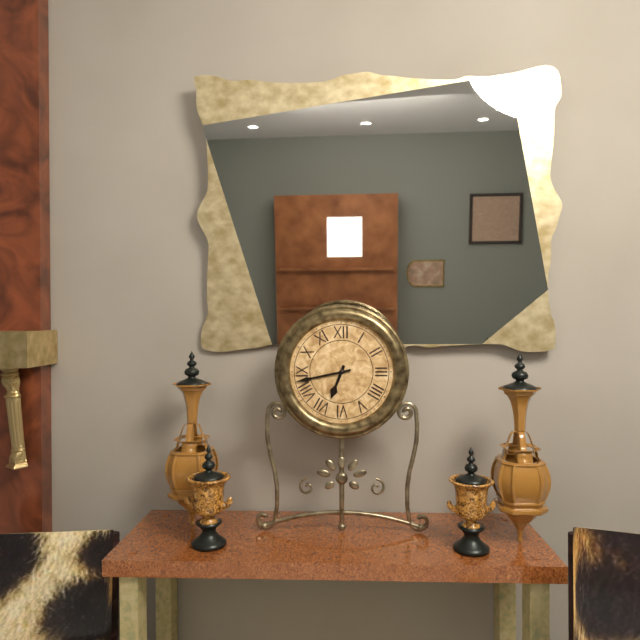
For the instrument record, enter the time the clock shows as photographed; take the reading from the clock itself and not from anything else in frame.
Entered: 6:43
